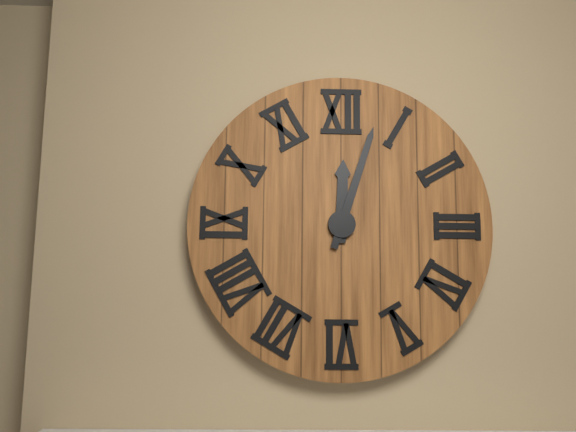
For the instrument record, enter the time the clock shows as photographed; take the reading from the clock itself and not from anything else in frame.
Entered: 12:03
